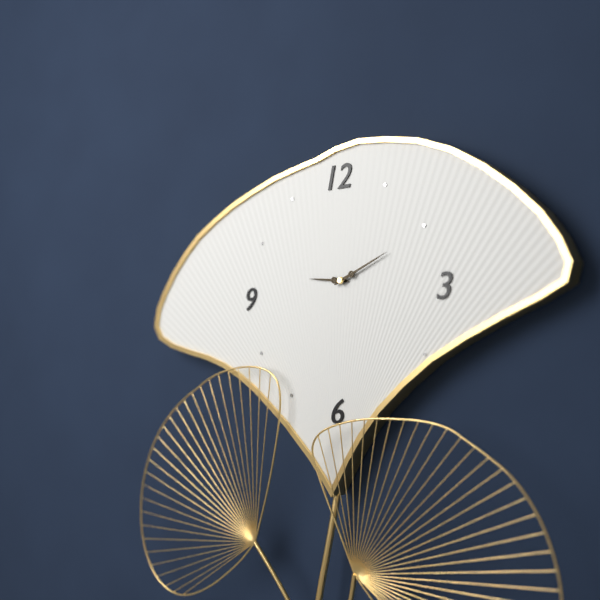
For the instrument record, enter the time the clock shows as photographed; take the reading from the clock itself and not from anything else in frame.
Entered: 9:11
